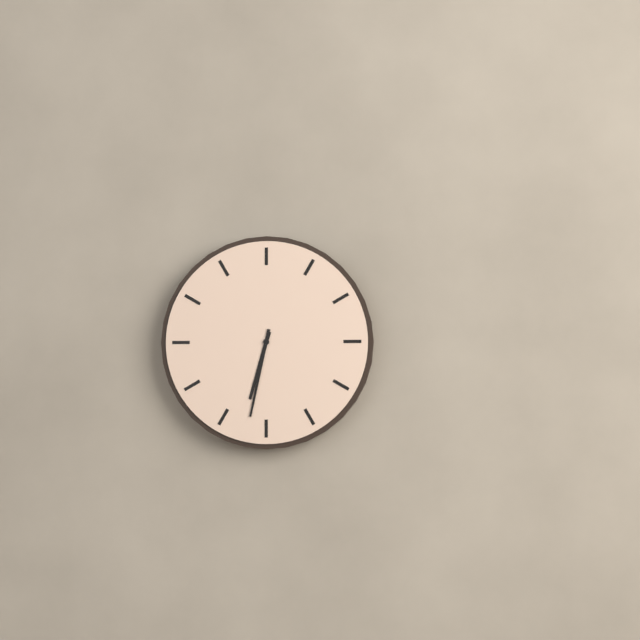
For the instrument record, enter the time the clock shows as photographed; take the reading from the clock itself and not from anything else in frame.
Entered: 6:32
